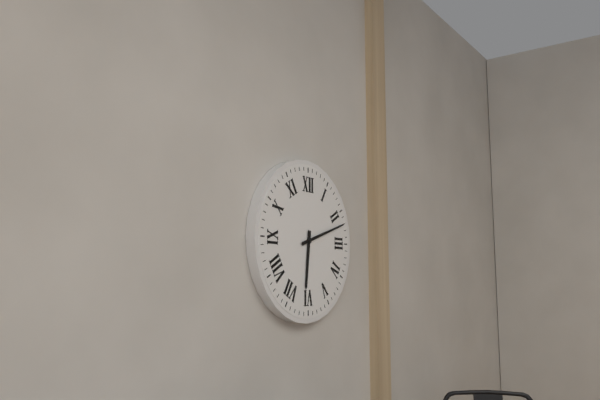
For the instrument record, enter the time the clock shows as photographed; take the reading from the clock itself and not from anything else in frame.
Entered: 6:12
